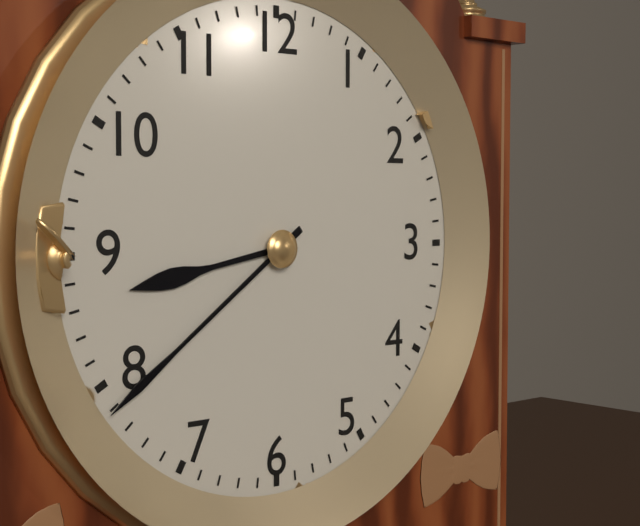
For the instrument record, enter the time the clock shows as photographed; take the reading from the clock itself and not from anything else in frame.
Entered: 8:39
